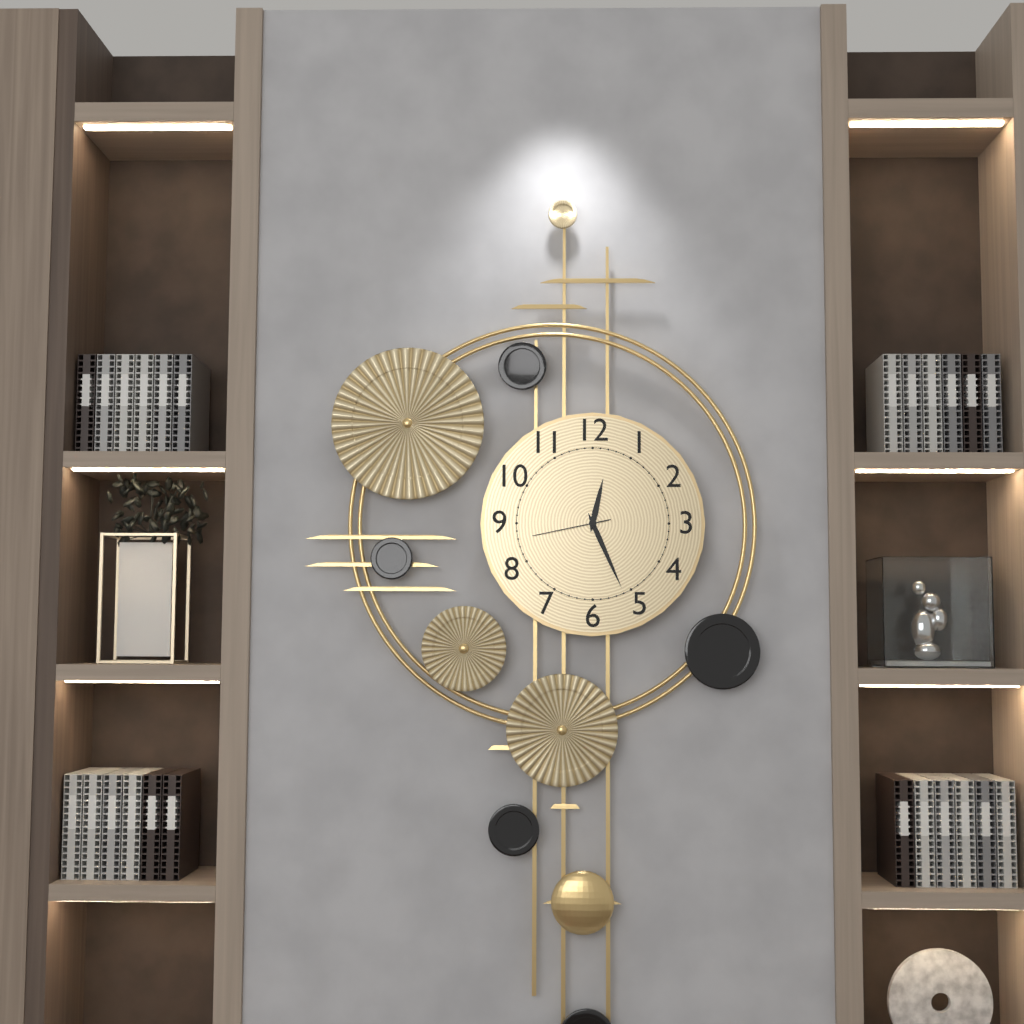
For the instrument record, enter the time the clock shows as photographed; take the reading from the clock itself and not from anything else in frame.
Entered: 12:26:43
